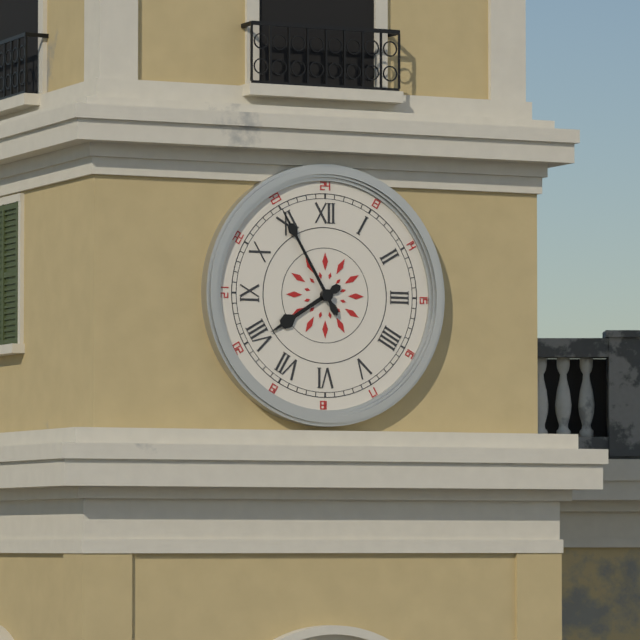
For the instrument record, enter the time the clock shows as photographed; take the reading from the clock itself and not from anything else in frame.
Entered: 7:55
